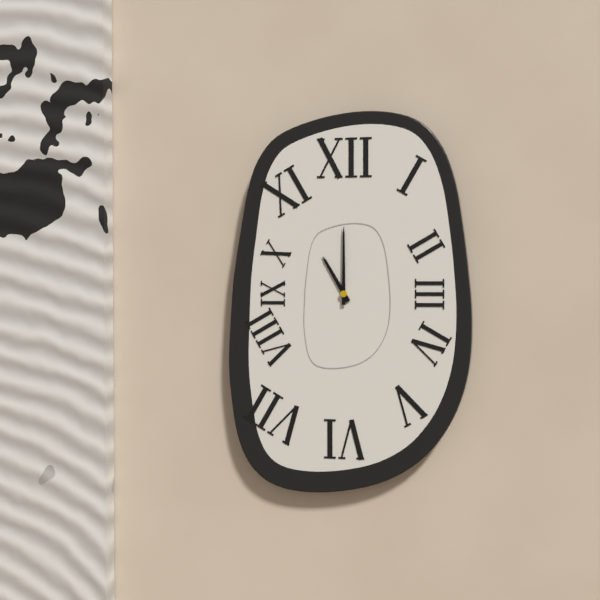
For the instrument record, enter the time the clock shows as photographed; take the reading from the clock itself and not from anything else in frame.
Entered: 11:00
